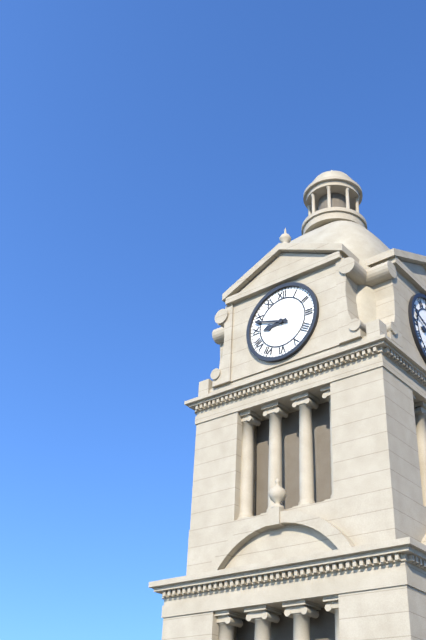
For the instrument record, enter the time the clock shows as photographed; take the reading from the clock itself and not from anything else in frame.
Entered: 8:48
